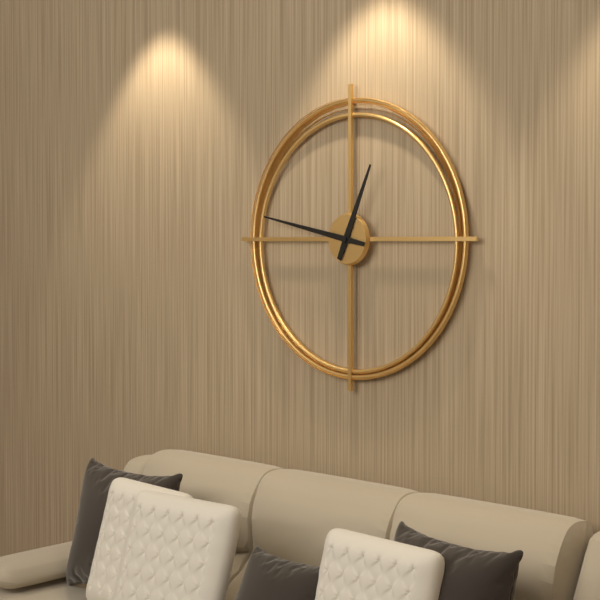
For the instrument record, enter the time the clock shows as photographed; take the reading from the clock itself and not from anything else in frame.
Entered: 12:47
